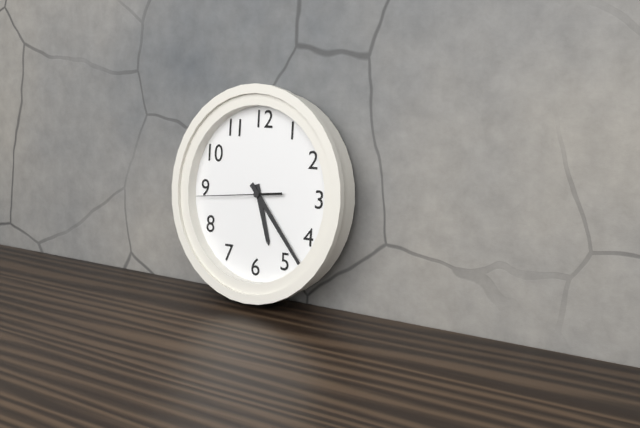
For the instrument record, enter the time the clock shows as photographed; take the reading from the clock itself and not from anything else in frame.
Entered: 5:23:44
